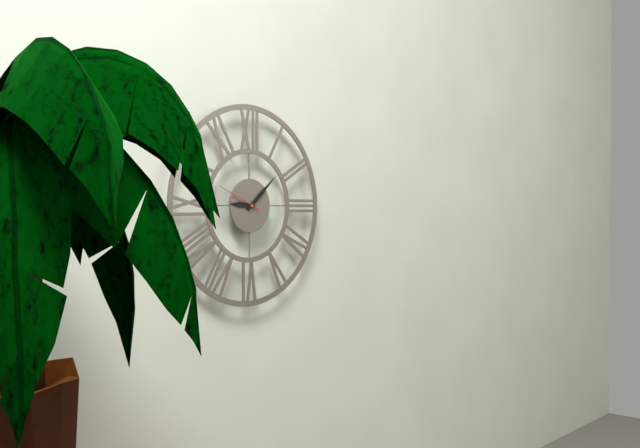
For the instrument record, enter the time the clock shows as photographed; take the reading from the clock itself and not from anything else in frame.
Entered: 9:08
